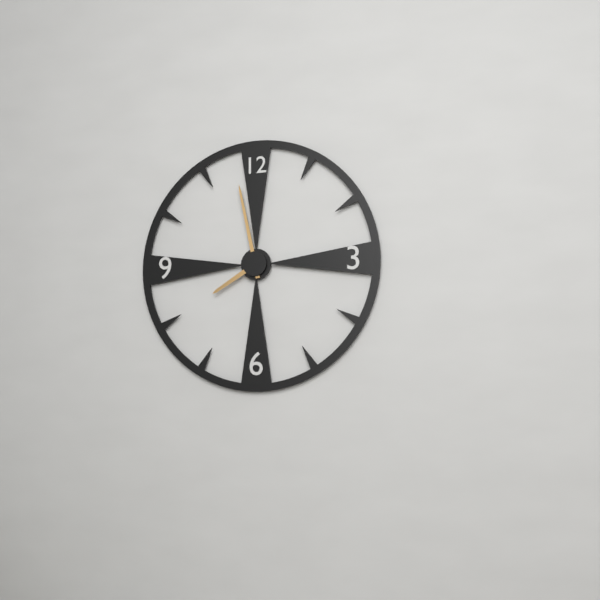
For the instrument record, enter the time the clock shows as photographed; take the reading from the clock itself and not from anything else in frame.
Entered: 7:58
